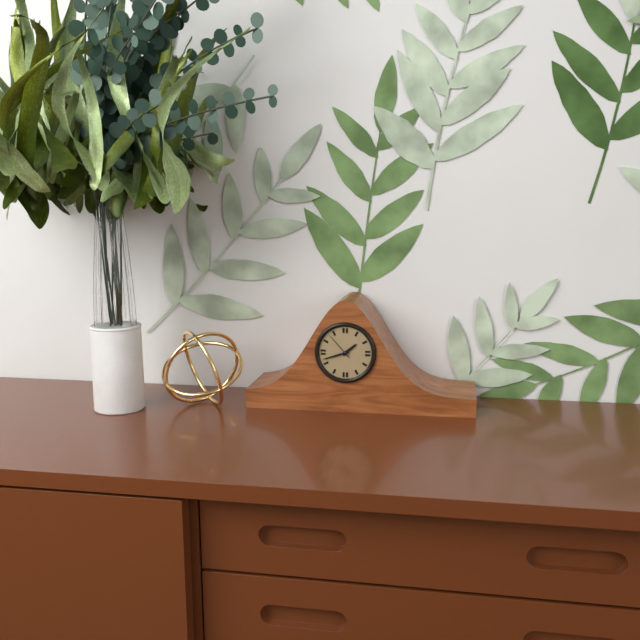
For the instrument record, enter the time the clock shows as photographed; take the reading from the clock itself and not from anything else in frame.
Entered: 1:42
